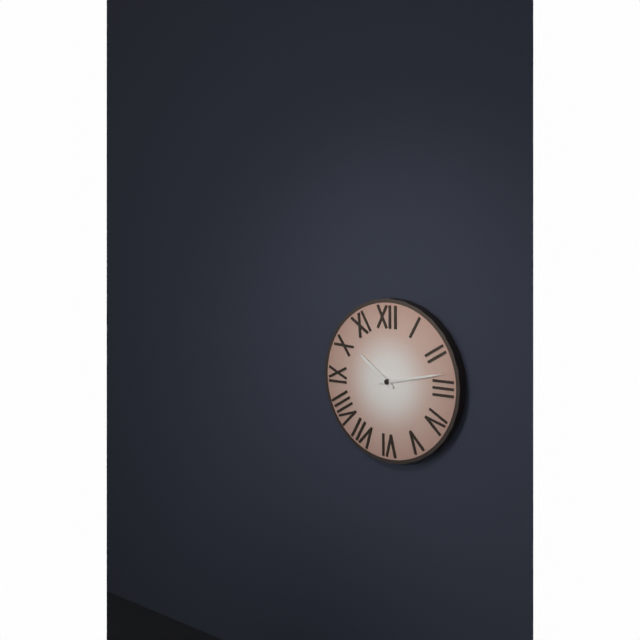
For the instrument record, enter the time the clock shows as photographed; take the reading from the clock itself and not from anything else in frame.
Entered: 10:13
